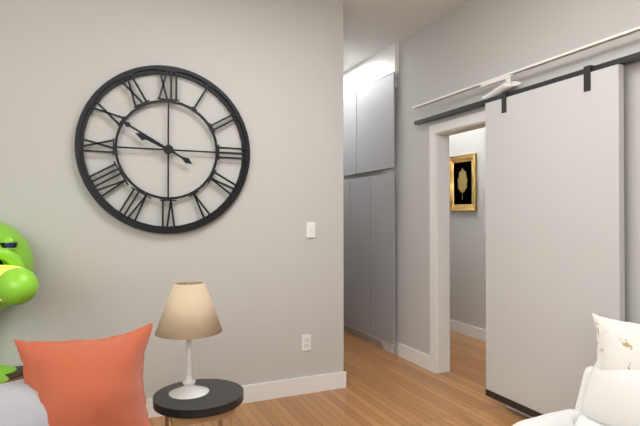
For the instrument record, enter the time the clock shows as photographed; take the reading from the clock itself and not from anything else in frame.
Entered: 9:50
